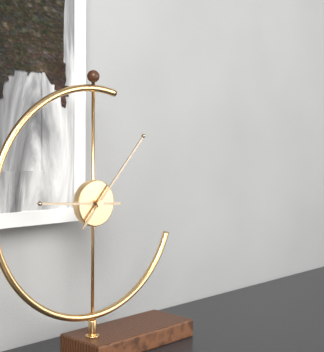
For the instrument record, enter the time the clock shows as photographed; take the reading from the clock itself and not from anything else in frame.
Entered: 9:07
